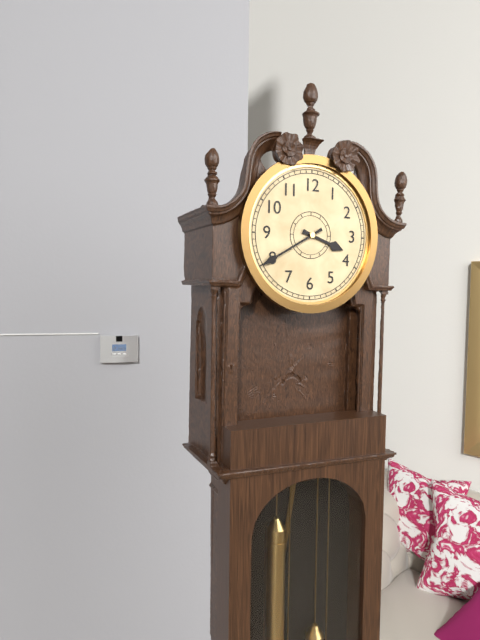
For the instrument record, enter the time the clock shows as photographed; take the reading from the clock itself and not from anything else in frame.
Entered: 3:40
